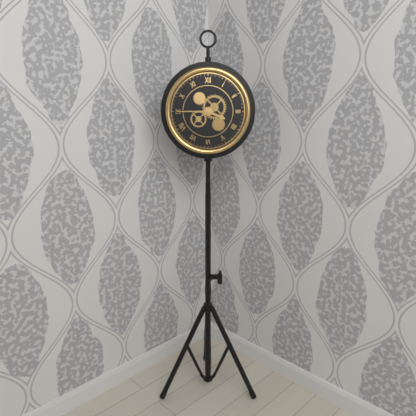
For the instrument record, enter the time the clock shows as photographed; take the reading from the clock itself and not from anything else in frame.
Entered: 3:45
